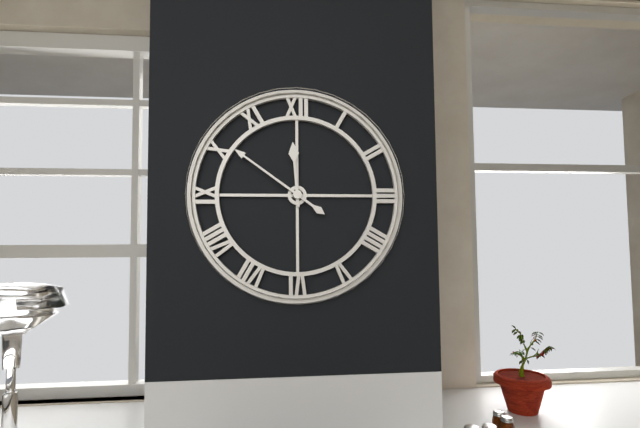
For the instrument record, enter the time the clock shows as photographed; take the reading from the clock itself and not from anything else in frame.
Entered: 11:51
